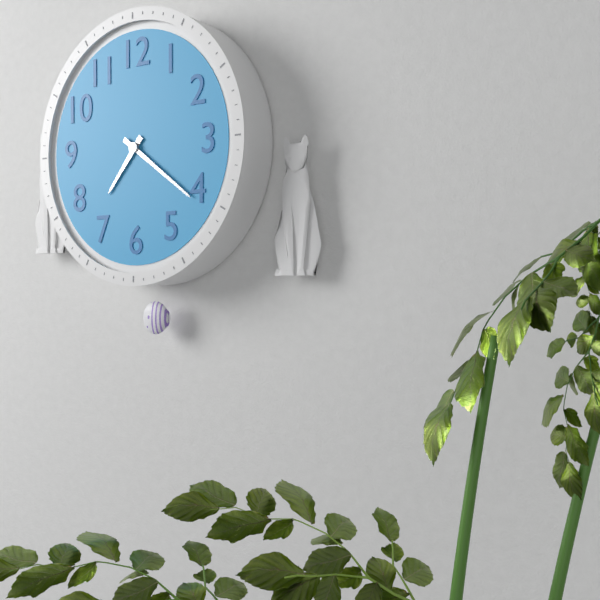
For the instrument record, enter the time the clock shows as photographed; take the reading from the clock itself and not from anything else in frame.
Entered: 7:21
